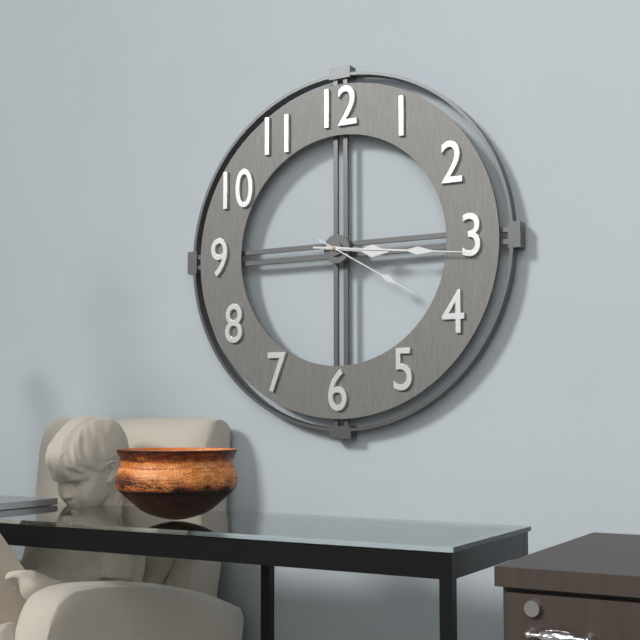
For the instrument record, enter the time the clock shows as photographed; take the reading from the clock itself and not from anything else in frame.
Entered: 3:16:20
